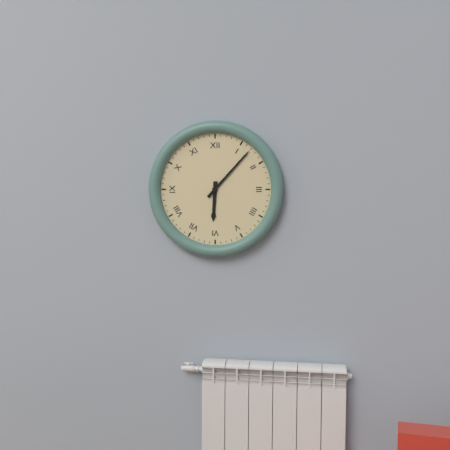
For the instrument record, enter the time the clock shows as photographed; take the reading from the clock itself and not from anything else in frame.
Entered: 6:07
